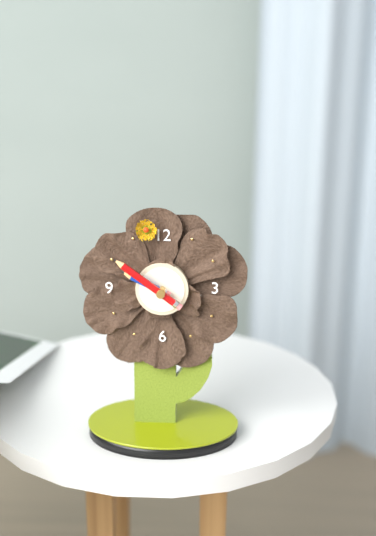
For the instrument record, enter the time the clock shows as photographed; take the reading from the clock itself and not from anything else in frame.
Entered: 9:51
